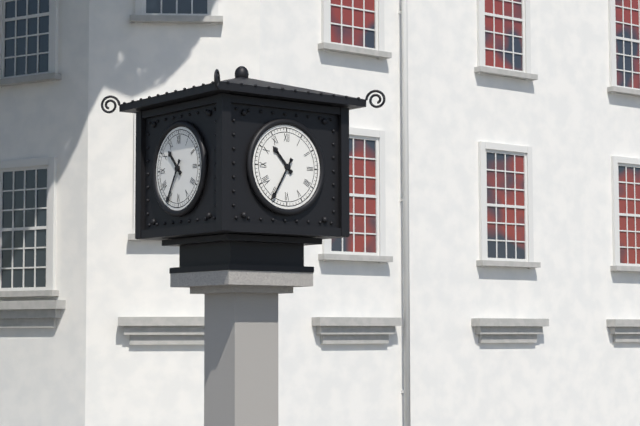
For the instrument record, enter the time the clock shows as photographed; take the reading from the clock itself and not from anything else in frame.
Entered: 10:35
